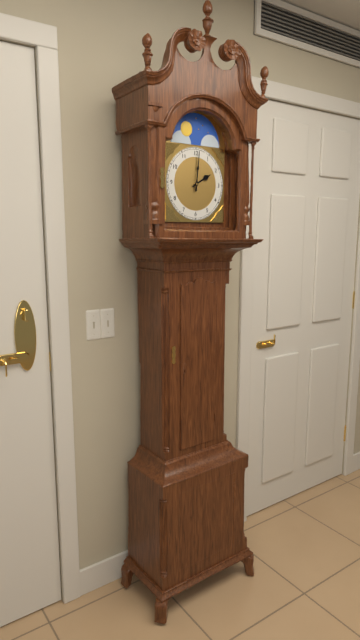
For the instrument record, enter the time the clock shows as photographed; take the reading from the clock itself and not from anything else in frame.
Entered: 2:01
